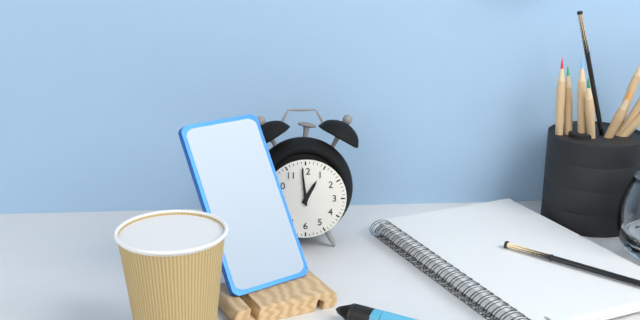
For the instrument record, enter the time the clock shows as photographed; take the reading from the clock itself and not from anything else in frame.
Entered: 12:59
